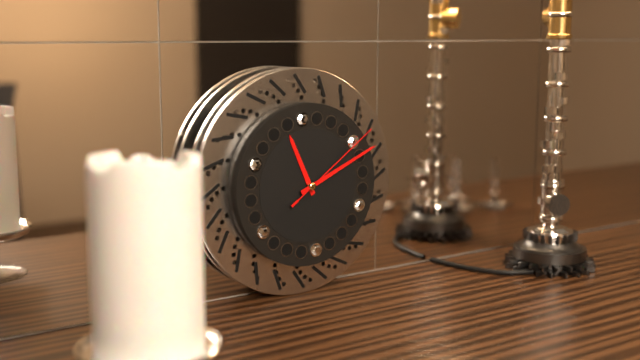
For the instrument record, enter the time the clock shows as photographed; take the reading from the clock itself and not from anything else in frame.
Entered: 11:11:09
